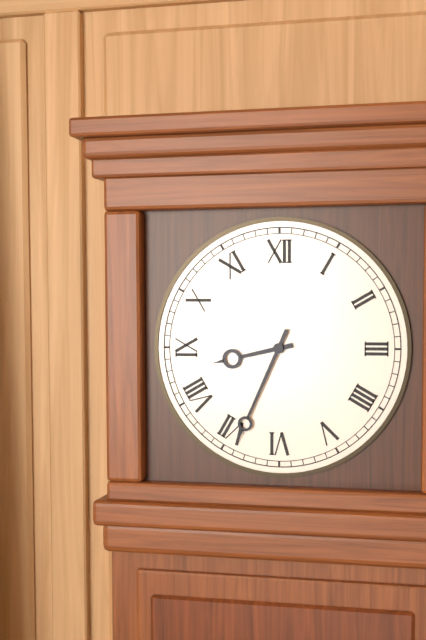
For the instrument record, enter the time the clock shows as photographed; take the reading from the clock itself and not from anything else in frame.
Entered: 8:34
